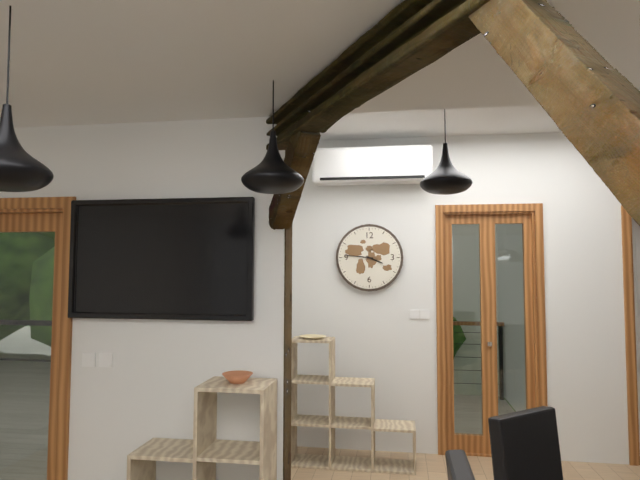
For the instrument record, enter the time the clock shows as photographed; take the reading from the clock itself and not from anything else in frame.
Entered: 3:46
